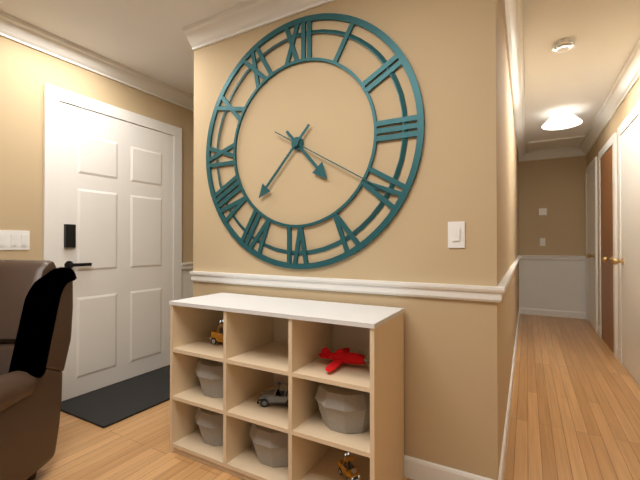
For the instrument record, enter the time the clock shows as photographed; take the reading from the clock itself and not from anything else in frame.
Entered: 4:37:20
